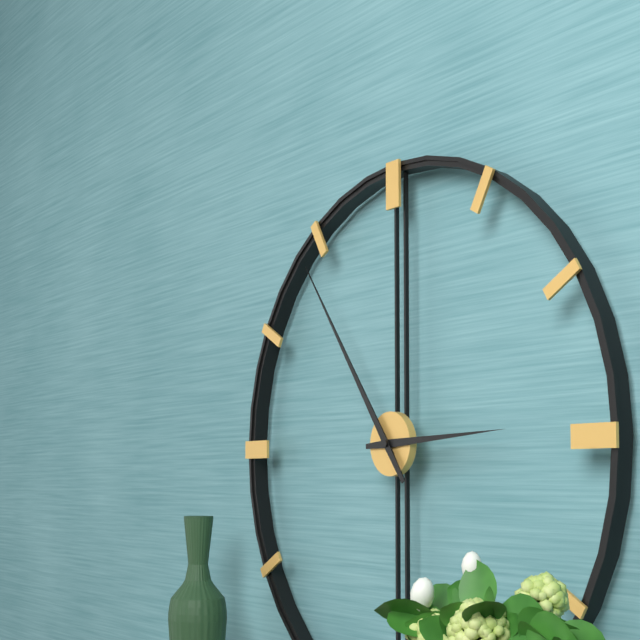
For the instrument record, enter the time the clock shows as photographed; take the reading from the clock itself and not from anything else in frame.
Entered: 2:54
